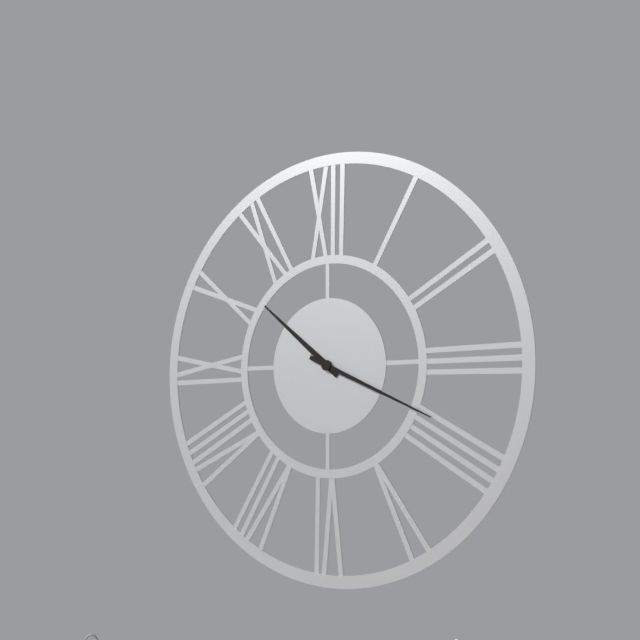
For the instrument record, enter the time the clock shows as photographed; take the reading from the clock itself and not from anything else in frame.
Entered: 10:19
